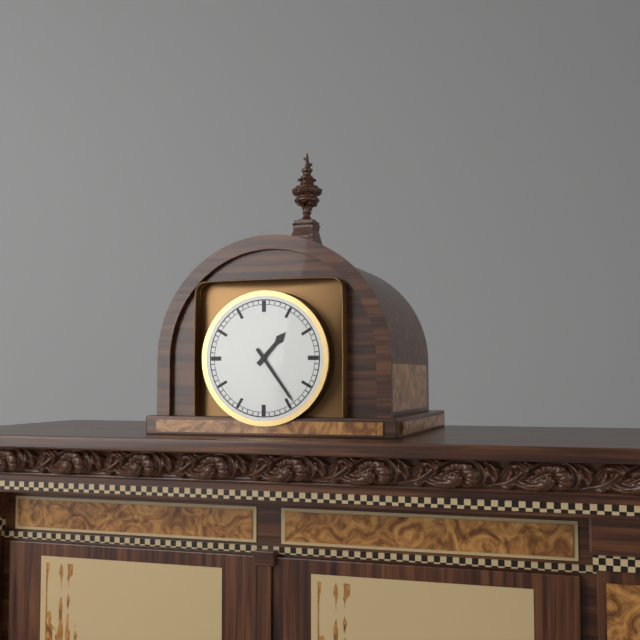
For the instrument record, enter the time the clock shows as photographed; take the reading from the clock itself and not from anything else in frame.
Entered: 1:24
